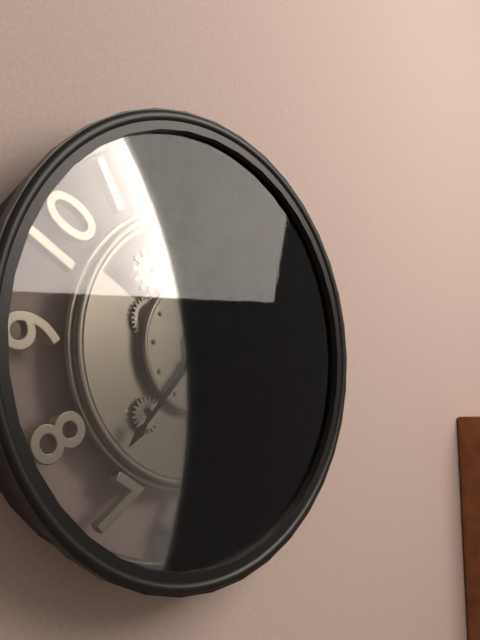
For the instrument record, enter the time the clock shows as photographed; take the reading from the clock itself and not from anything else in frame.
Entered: 11:37:08
